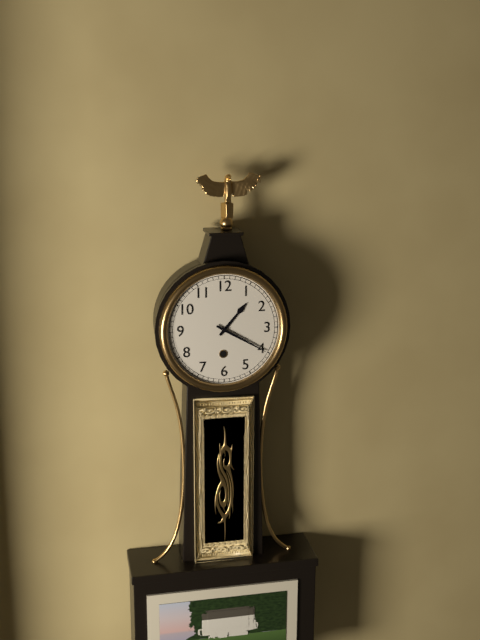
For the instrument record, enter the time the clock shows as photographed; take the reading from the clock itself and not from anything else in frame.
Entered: 1:20
